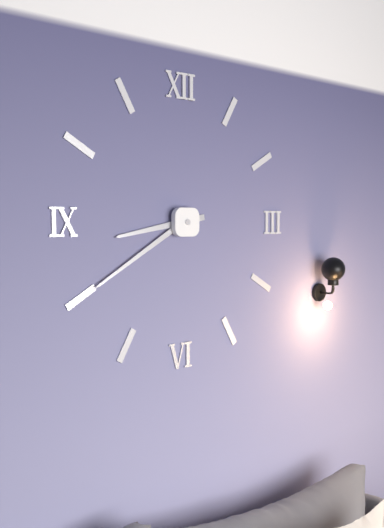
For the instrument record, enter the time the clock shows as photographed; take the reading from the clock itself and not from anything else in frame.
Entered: 8:40
